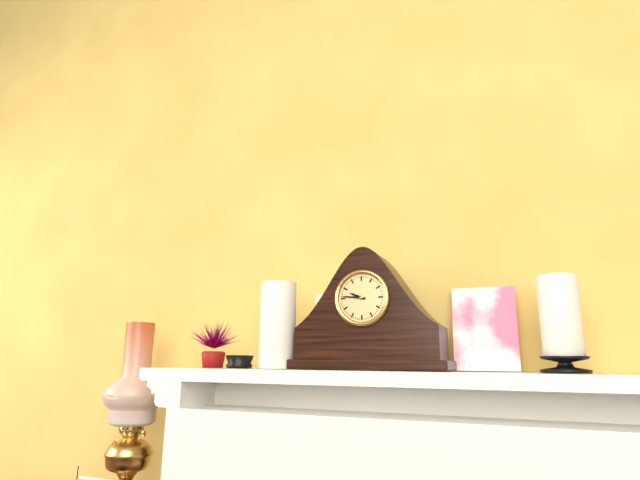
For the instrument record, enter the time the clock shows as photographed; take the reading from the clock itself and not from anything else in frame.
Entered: 9:46
